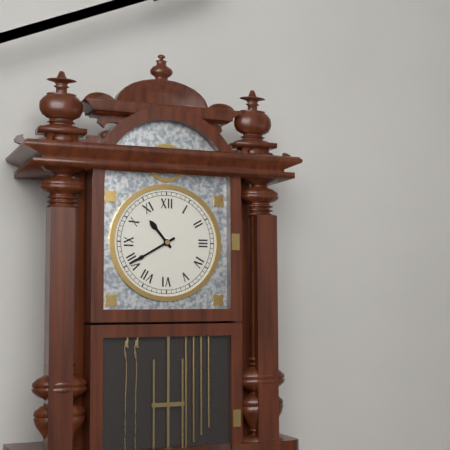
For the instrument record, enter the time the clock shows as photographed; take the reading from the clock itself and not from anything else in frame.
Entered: 10:40
